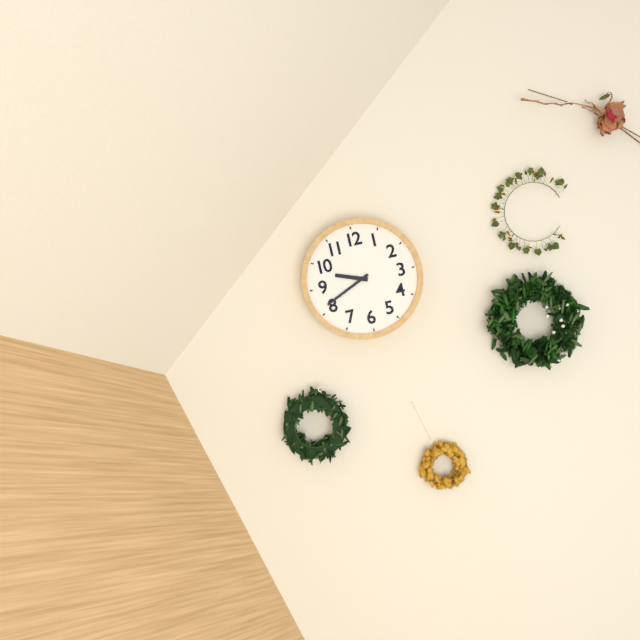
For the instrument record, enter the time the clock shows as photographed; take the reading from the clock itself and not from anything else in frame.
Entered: 9:41
